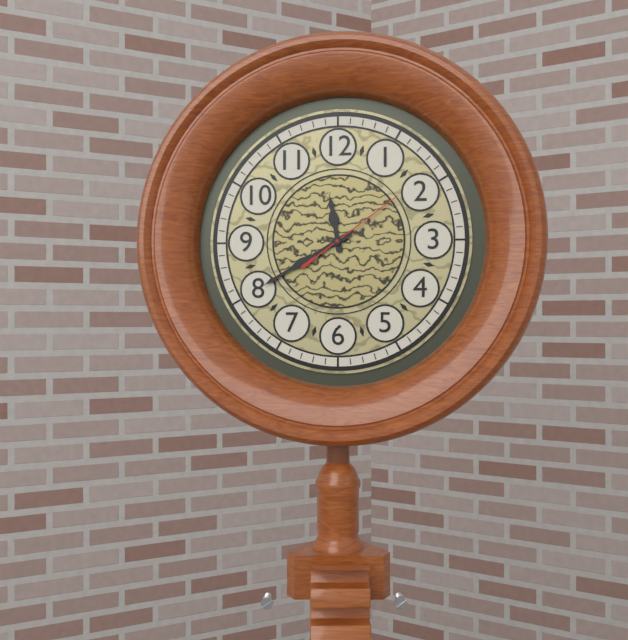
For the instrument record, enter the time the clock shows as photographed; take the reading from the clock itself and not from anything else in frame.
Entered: 11:40:09
